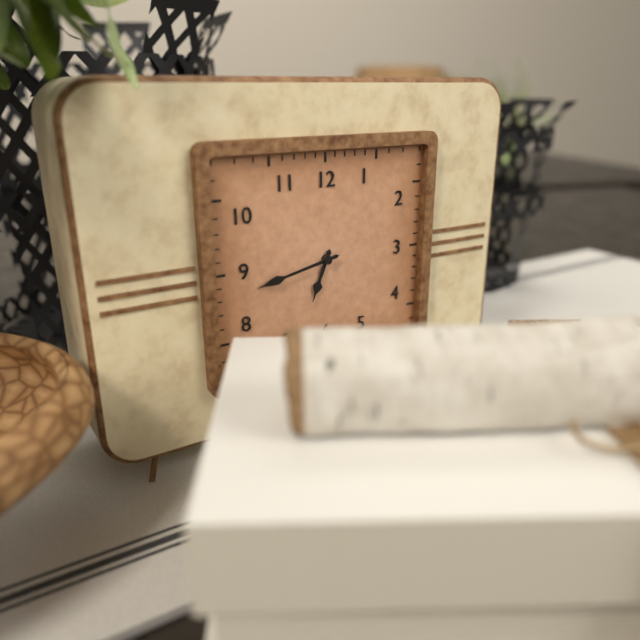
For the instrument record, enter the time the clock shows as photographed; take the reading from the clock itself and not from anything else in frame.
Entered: 6:43
